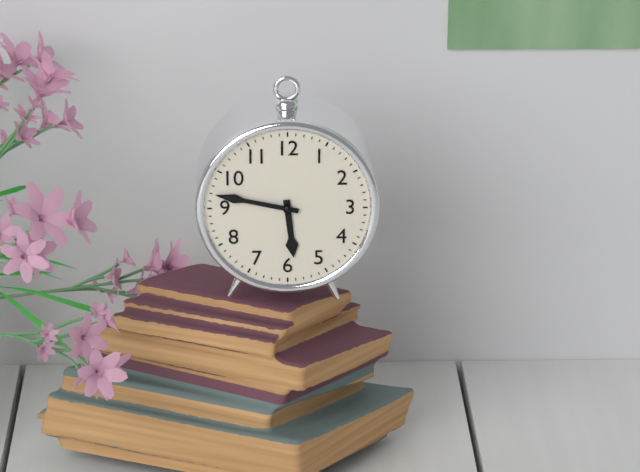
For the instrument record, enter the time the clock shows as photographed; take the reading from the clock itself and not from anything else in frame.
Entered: 5:47
